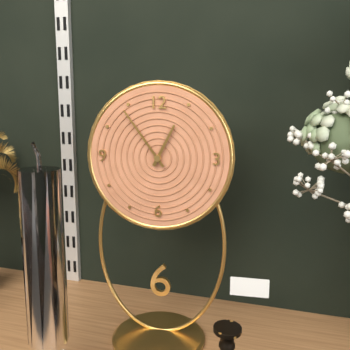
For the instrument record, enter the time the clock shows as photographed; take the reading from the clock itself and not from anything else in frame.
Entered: 12:54
